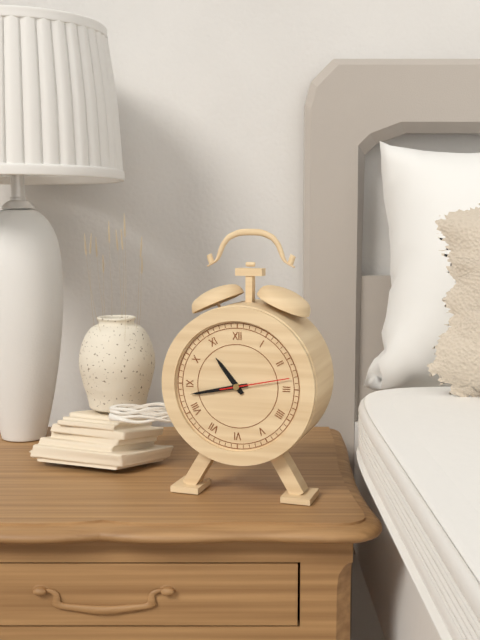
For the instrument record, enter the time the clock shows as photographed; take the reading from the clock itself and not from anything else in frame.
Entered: 10:43:13
